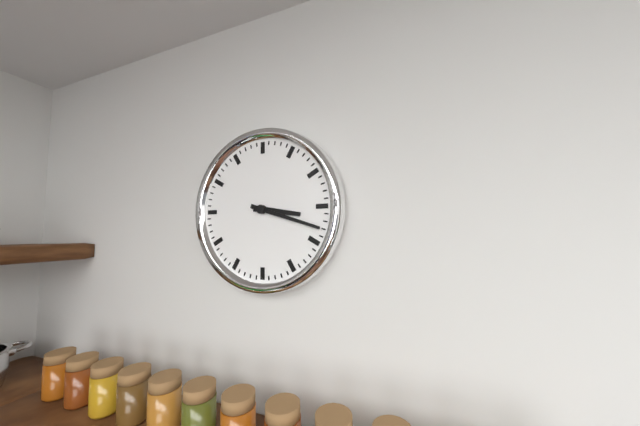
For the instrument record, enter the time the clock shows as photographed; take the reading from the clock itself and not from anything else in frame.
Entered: 3:18
